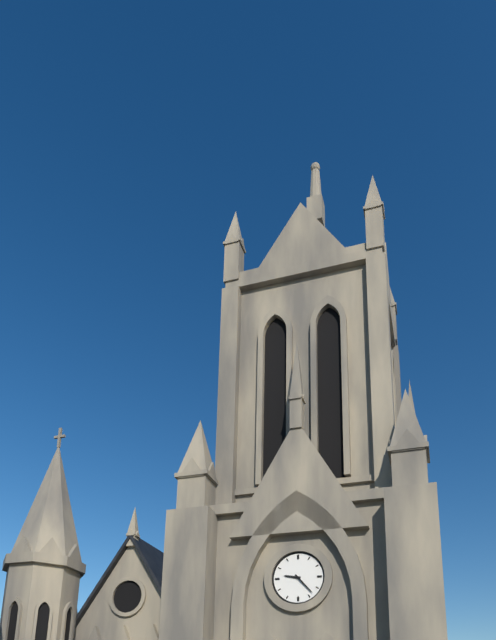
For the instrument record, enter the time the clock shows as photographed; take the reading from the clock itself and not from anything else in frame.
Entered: 9:23
